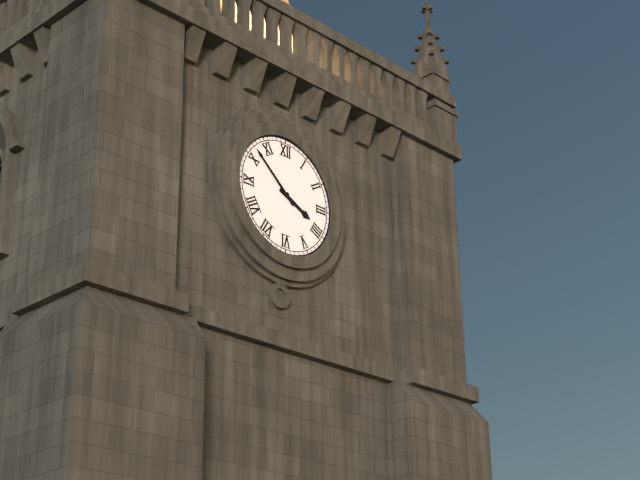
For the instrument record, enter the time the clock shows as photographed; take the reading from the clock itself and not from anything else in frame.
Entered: 3:52
